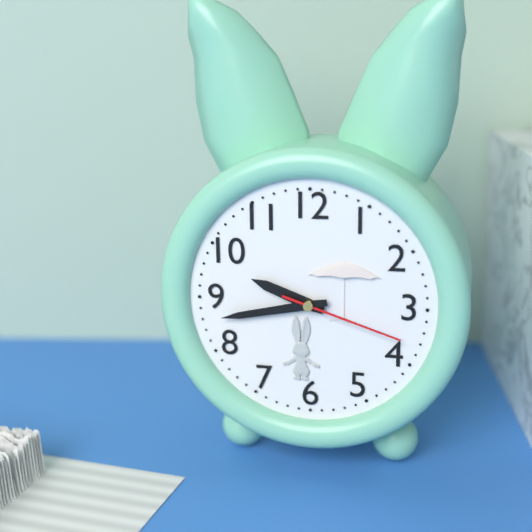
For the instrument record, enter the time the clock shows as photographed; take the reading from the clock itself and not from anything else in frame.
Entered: 9:43:18
